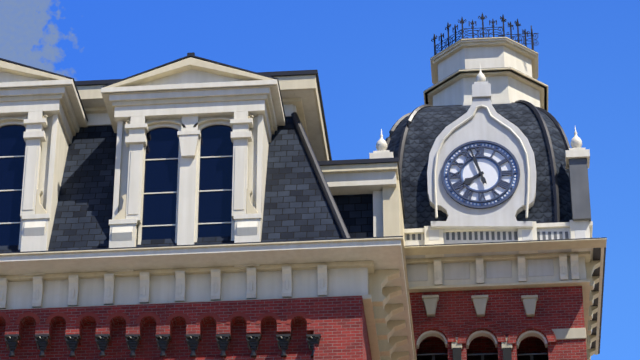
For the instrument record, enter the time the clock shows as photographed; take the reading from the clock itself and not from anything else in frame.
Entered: 7:57
